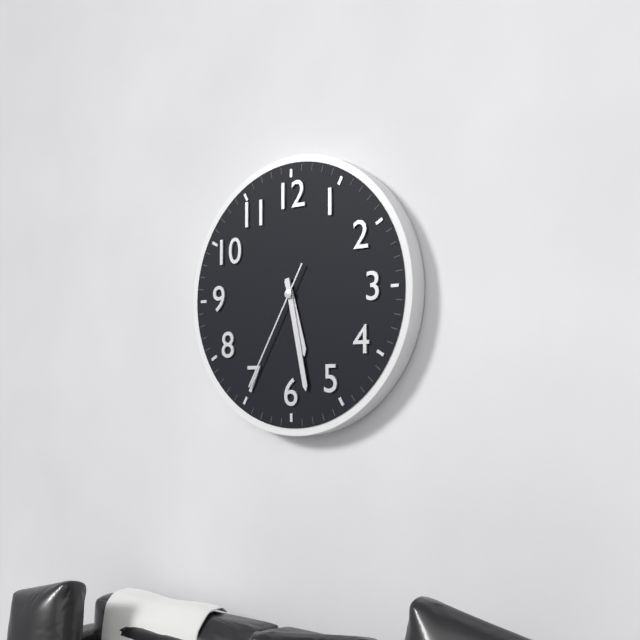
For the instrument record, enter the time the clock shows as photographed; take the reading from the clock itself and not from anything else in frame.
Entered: 5:28:35
